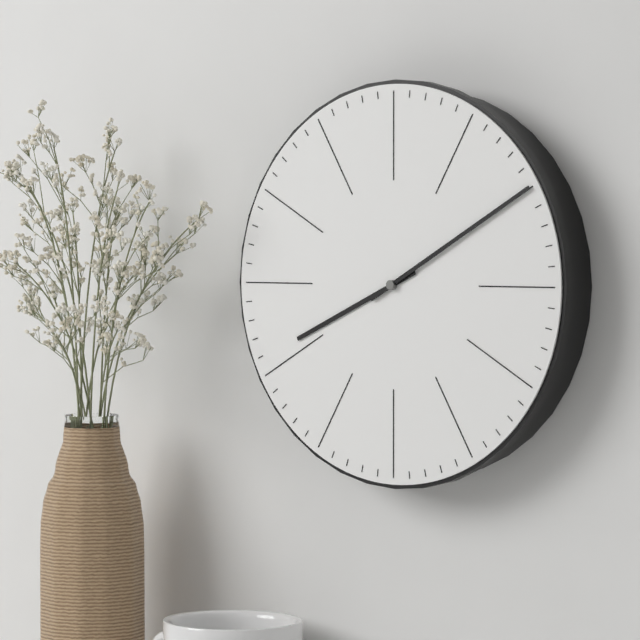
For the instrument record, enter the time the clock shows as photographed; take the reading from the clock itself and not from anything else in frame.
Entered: 8:10
